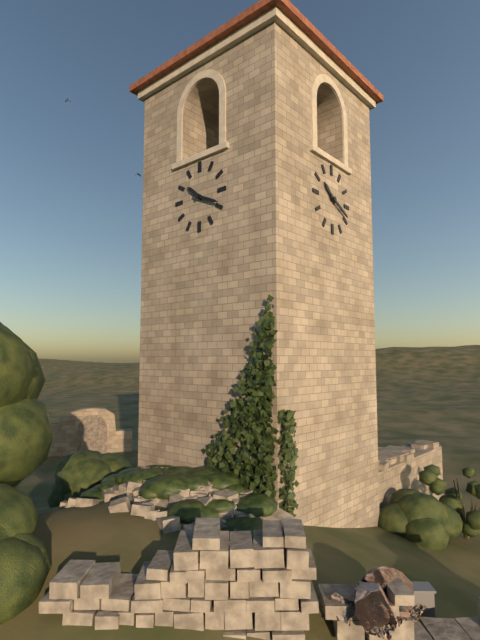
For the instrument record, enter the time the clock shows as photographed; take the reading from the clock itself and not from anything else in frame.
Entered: 10:19
